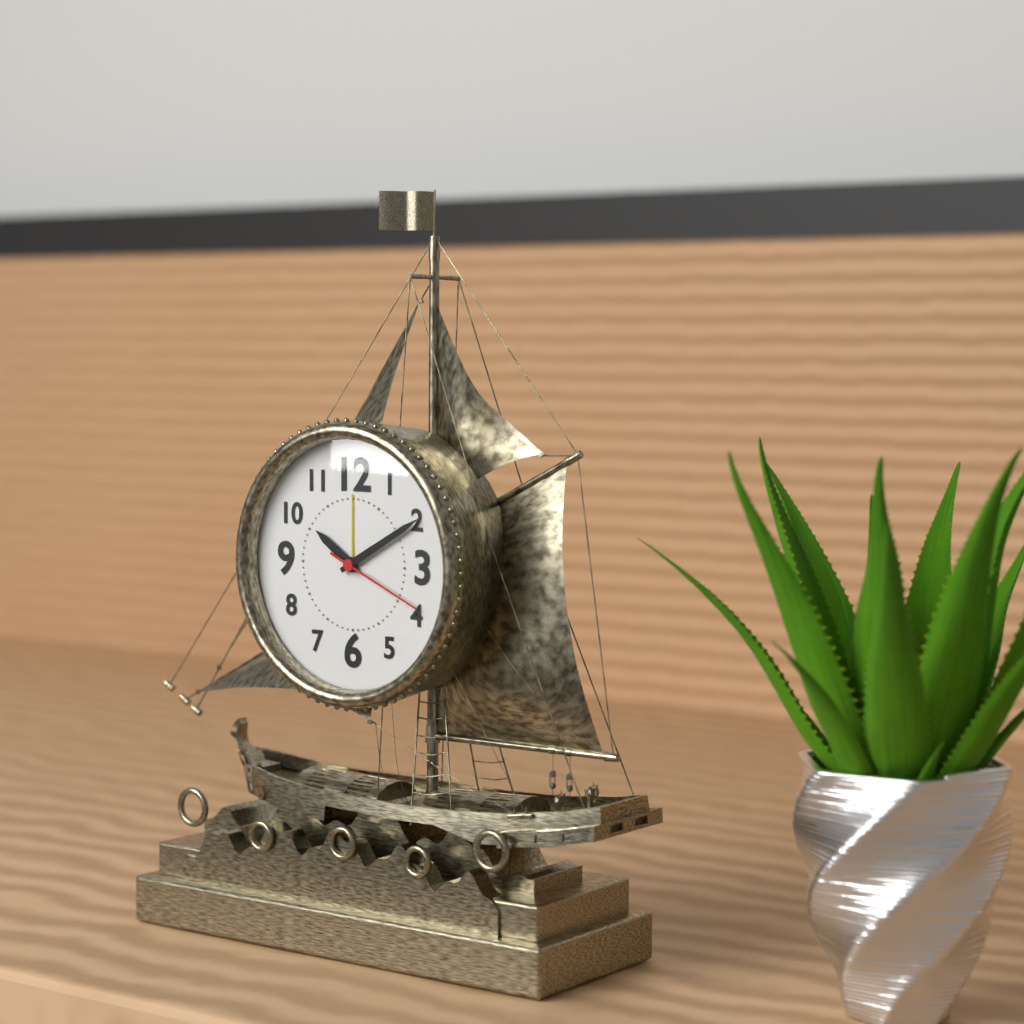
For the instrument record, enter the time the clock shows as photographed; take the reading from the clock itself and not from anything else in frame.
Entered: 10:10:19
